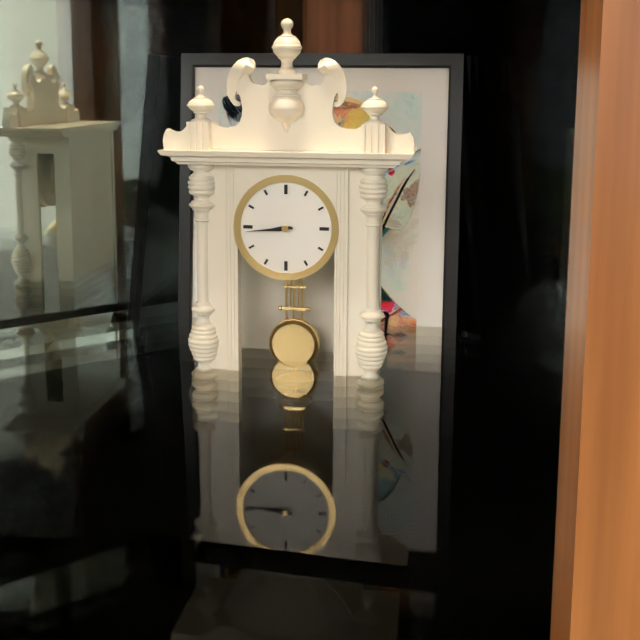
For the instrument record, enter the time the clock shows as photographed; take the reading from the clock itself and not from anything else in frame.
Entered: 8:44
